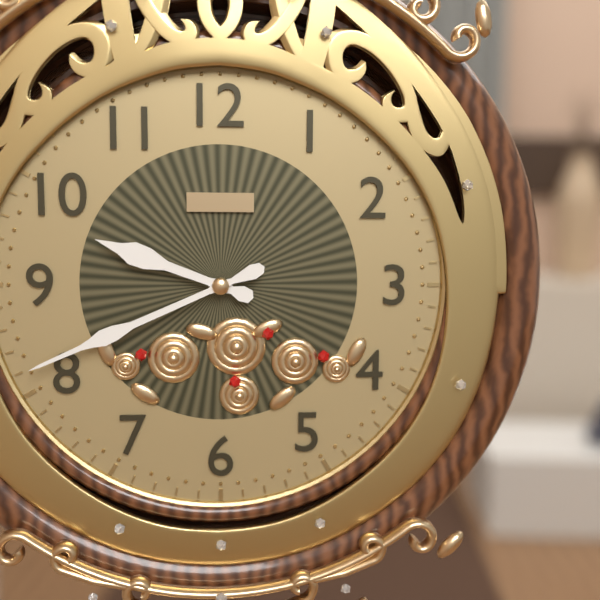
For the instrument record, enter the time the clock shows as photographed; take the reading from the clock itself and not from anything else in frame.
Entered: 9:41
